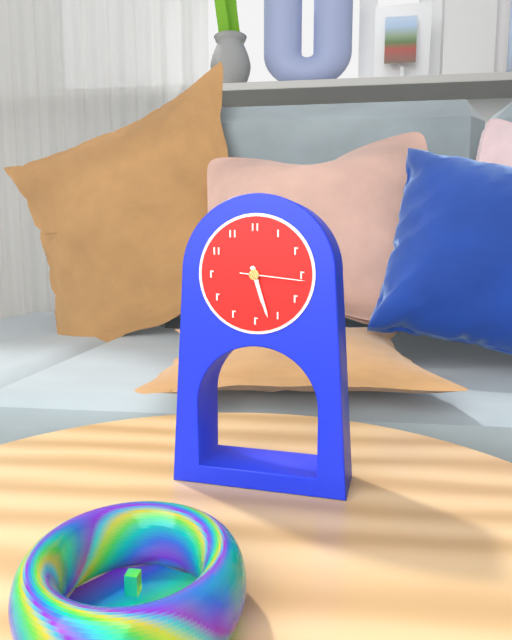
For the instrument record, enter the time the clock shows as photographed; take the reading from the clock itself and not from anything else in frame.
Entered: 5:27:16
